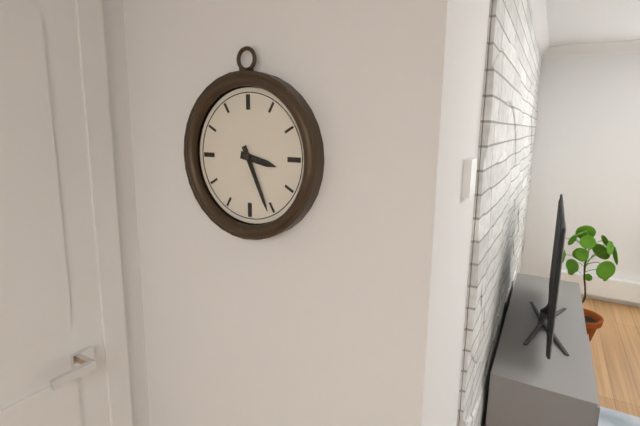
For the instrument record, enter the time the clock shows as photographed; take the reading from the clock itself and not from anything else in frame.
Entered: 3:26
